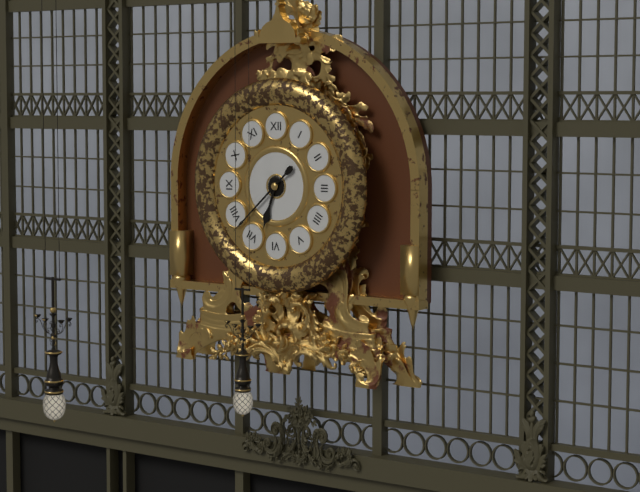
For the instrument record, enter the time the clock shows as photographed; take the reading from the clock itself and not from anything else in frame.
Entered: 6:38
